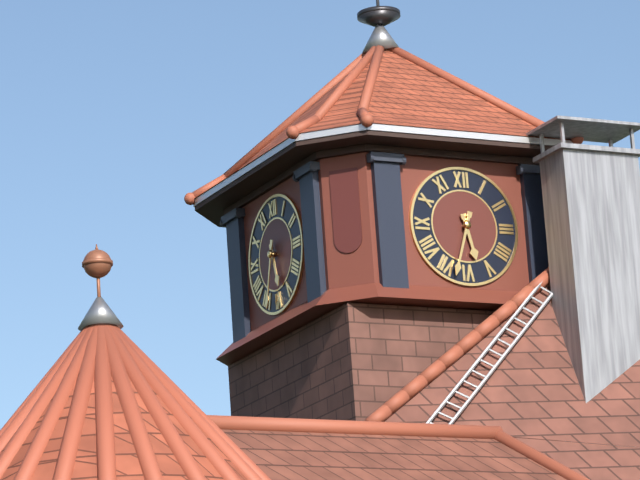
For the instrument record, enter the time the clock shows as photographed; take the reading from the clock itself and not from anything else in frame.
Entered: 5:33
